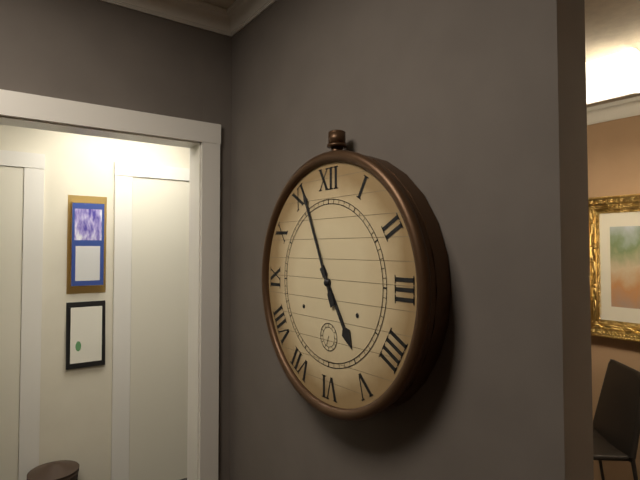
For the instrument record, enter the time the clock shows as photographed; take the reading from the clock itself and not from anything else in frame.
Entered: 4:56
